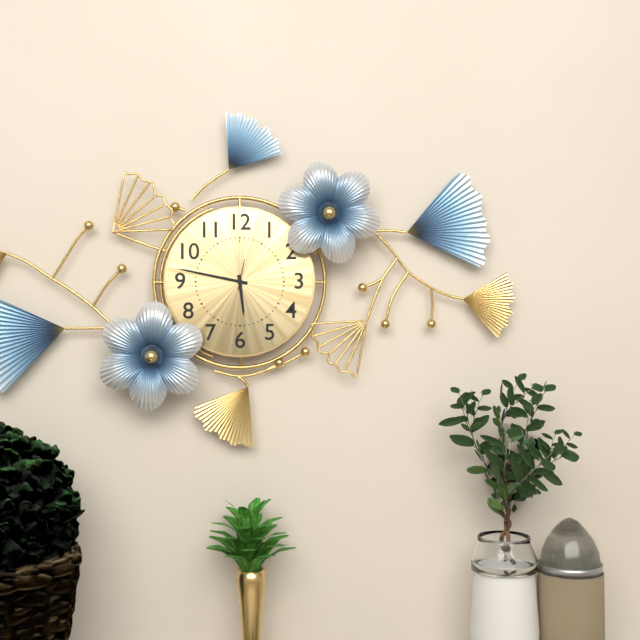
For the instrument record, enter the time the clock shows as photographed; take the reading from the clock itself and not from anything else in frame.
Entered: 5:47
